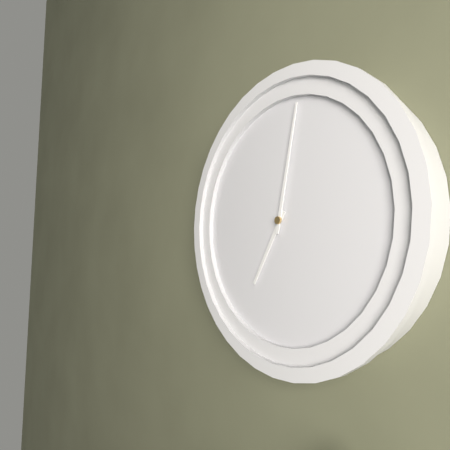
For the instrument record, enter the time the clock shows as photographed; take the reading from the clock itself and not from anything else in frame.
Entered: 7:02
